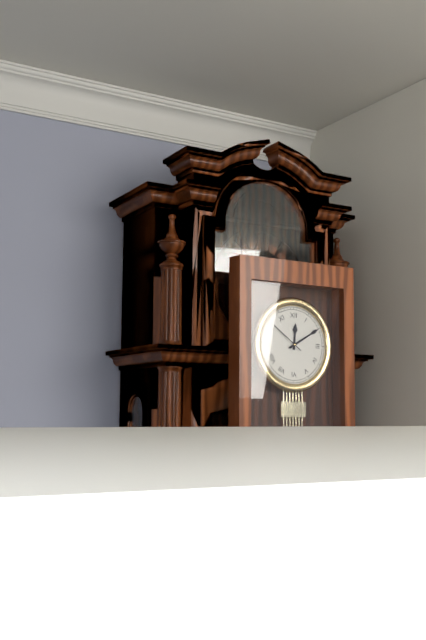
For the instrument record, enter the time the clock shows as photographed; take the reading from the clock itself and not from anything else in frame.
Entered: 12:10
